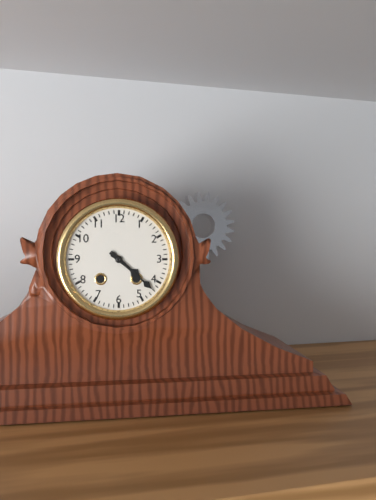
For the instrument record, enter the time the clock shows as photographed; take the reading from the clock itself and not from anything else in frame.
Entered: 4:22
